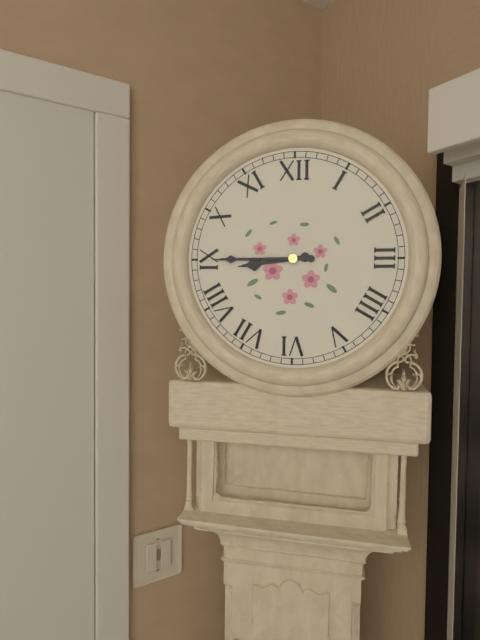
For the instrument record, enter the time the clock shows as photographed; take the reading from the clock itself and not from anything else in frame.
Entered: 8:45
